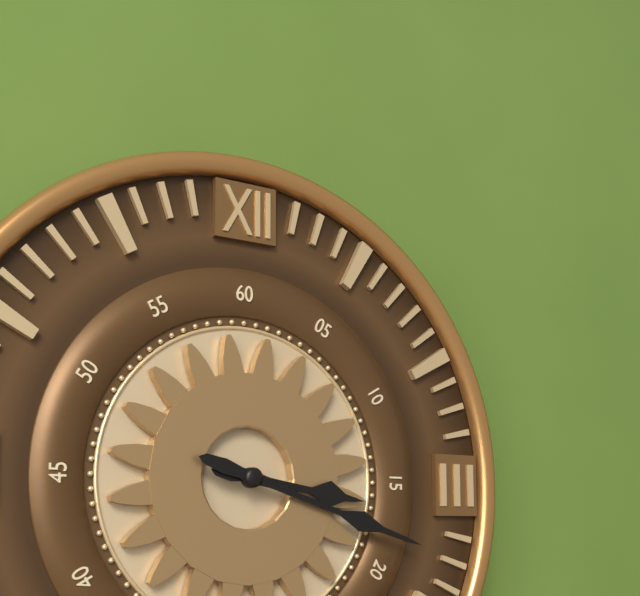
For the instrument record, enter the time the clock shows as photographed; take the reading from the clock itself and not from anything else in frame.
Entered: 3:18
